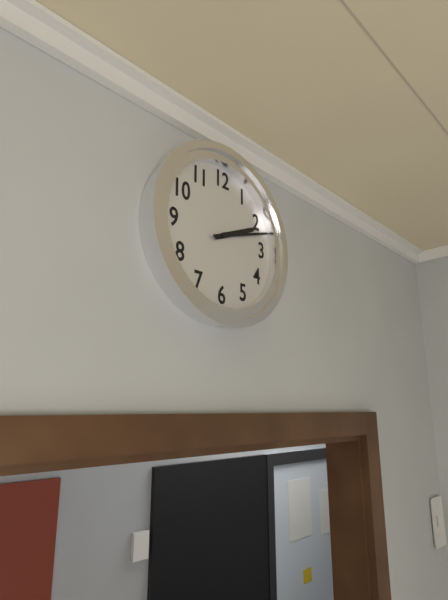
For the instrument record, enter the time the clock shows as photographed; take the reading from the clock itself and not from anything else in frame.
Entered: 2:12
